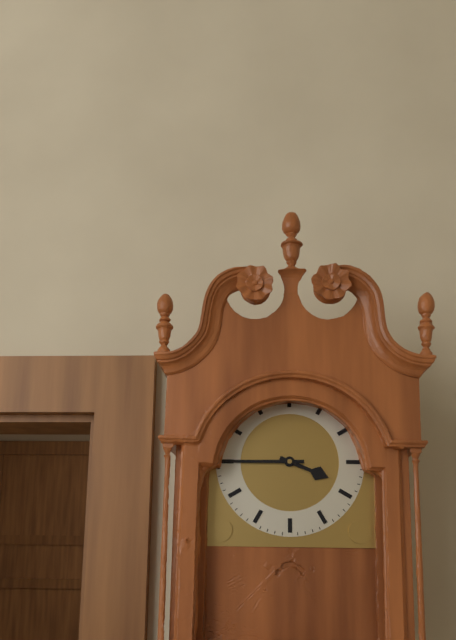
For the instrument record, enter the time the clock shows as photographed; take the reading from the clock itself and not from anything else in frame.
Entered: 3:45
